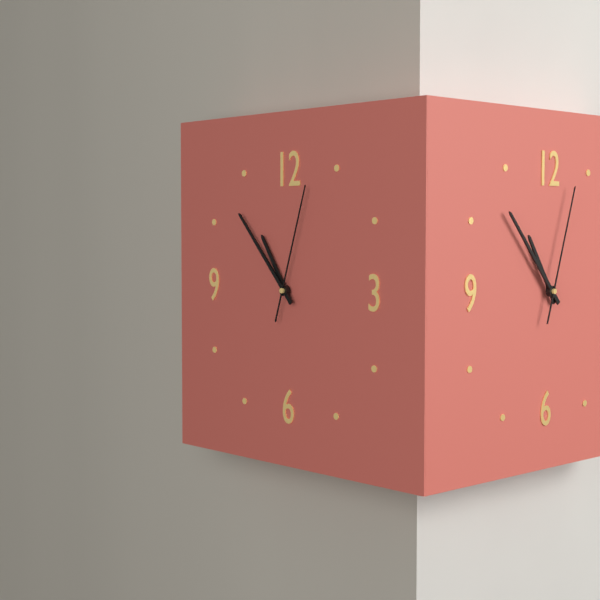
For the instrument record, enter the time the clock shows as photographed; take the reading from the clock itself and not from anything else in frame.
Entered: 10:53:03
